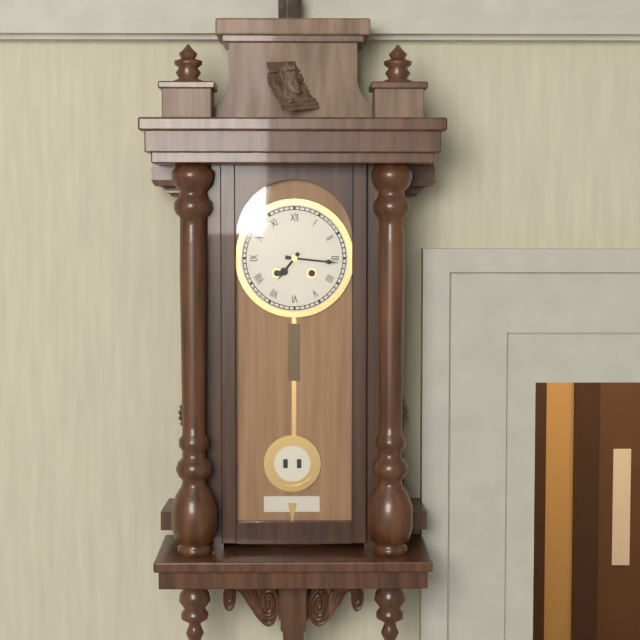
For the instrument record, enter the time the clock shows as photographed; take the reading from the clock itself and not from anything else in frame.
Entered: 7:16
